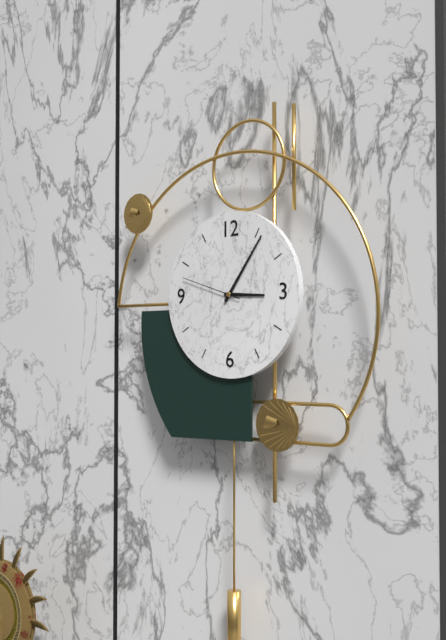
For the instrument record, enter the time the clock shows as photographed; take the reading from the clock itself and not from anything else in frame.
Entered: 3:06:48
